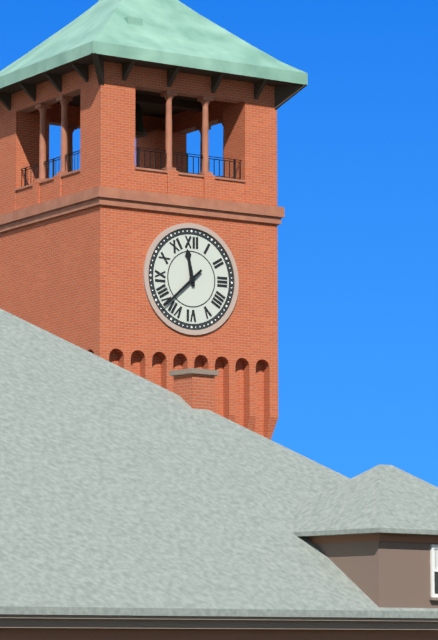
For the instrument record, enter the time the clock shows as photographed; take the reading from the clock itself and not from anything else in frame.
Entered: 11:38
